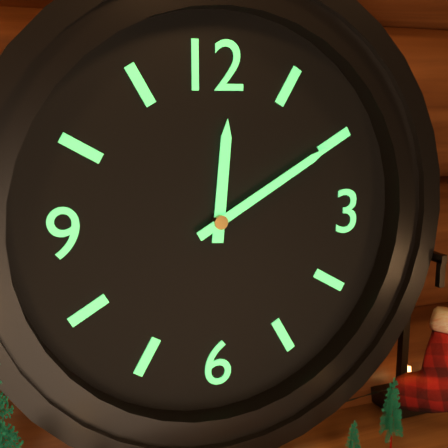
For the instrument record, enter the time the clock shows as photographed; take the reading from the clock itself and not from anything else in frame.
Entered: 12:10
